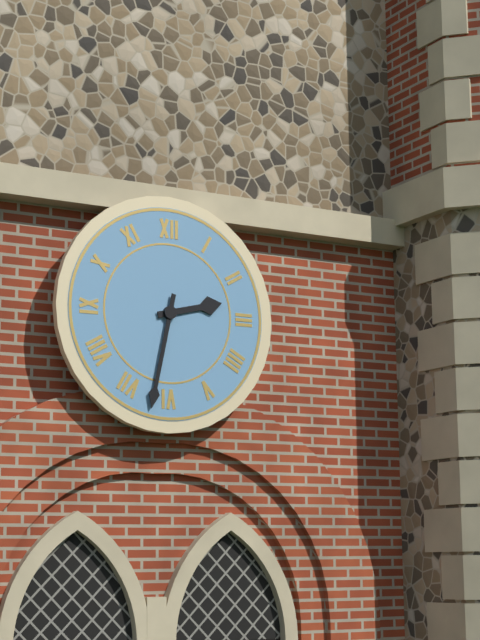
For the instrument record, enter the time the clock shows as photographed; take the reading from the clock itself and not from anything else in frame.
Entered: 2:32
